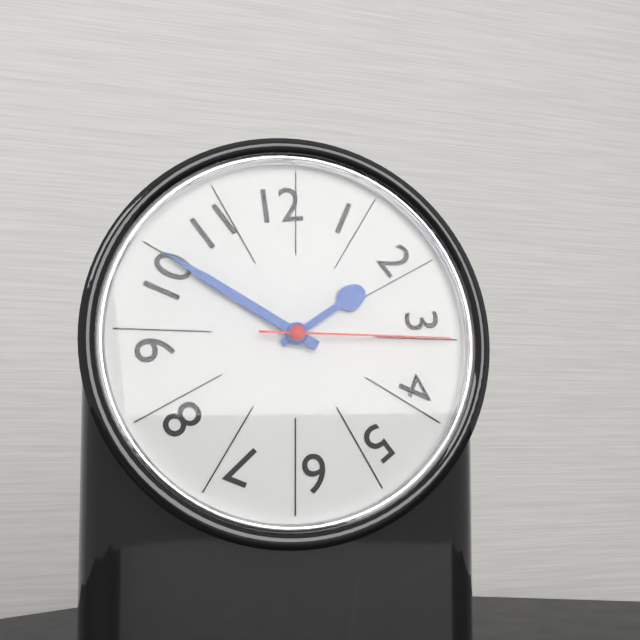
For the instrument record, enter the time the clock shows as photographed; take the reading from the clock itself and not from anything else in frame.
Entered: 1:50:15
